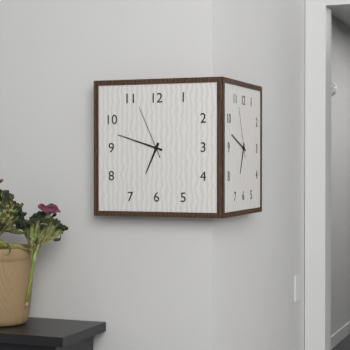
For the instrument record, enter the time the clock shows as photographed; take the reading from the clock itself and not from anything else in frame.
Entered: 6:48:56
